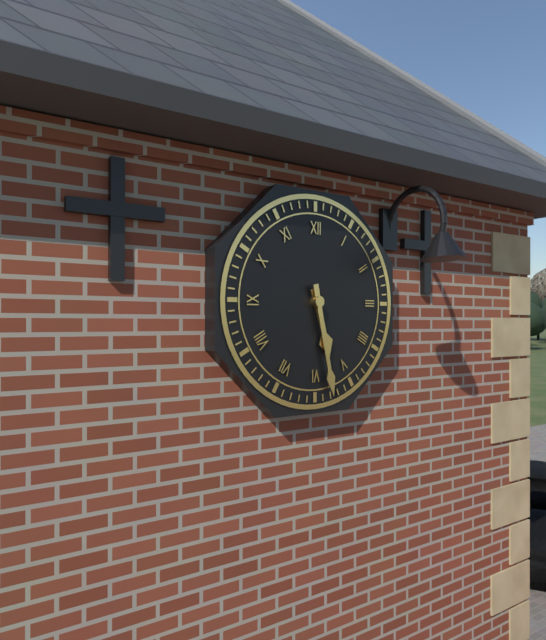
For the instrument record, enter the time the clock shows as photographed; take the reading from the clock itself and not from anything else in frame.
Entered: 5:28
